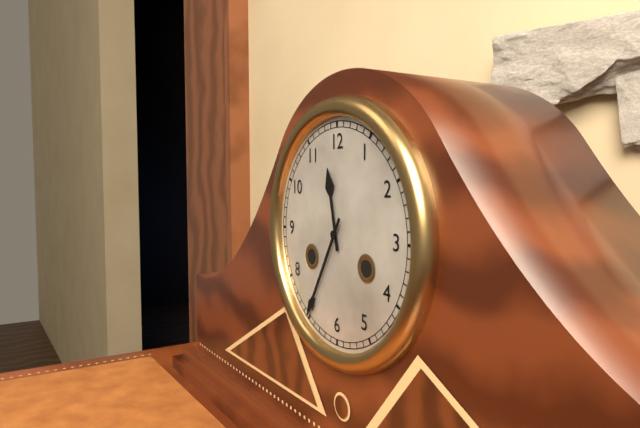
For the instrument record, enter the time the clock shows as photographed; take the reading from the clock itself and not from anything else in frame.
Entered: 11:35
